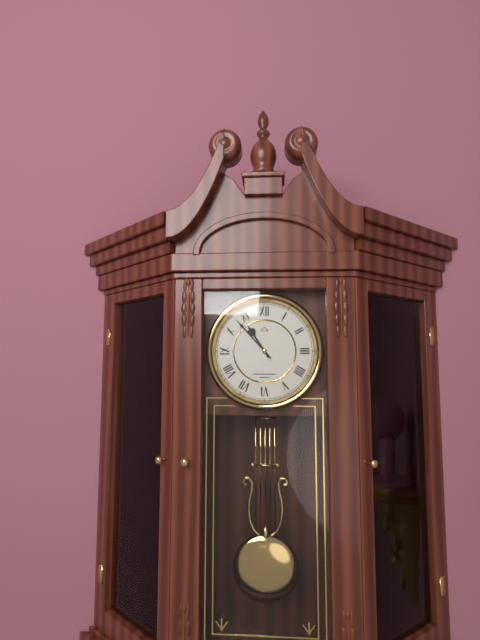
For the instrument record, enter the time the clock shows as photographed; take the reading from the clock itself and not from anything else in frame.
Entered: 10:53
